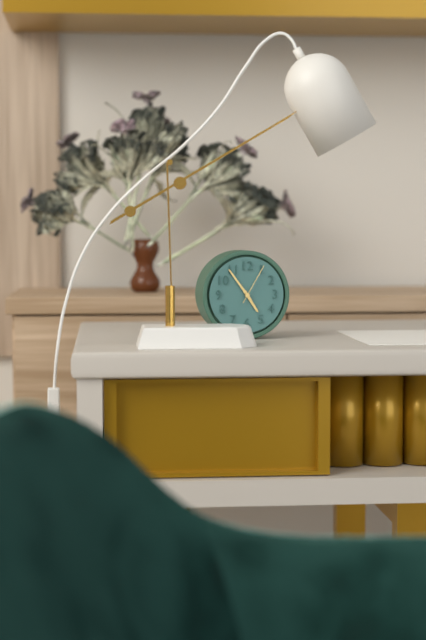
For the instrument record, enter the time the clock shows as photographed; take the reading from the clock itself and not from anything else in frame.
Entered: 4:54
